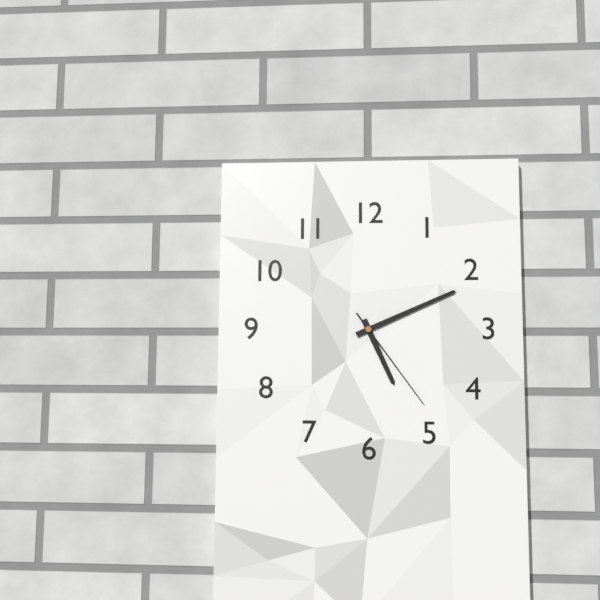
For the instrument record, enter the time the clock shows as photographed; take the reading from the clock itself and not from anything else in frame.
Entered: 5:11:24
